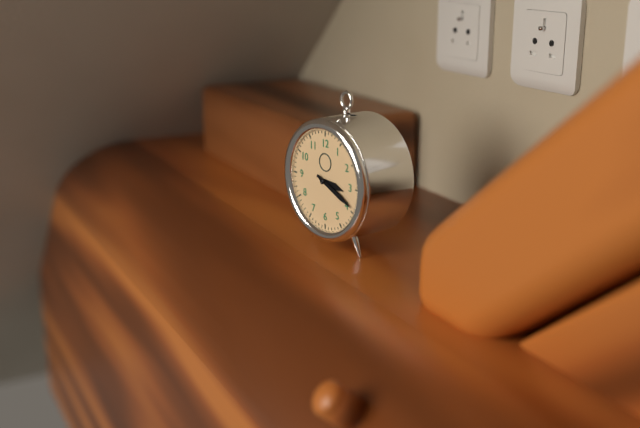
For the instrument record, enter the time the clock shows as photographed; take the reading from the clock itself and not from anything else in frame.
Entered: 3:19
